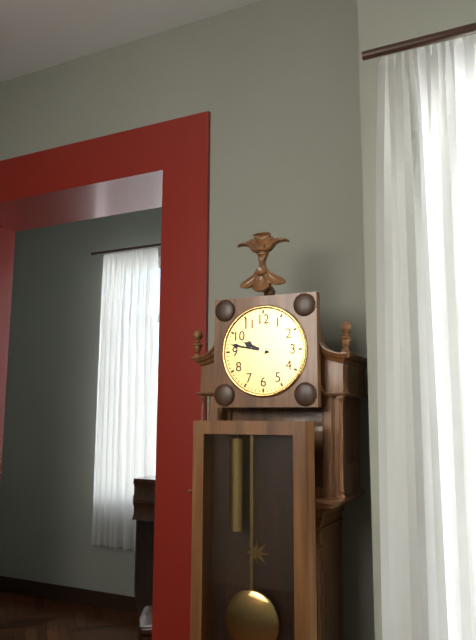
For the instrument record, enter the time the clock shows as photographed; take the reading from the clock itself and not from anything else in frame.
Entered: 9:47
